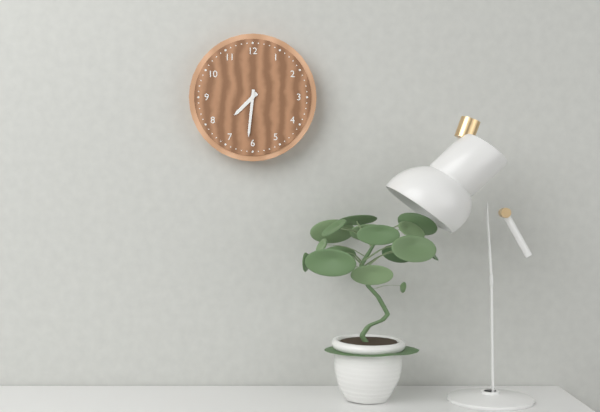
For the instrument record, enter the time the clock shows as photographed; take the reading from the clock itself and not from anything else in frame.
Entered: 7:31
